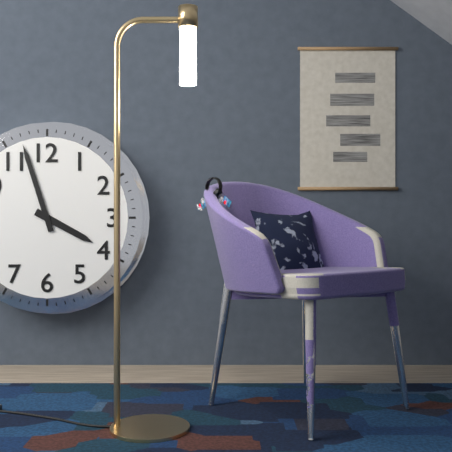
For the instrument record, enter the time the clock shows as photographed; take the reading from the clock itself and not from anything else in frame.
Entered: 3:57
